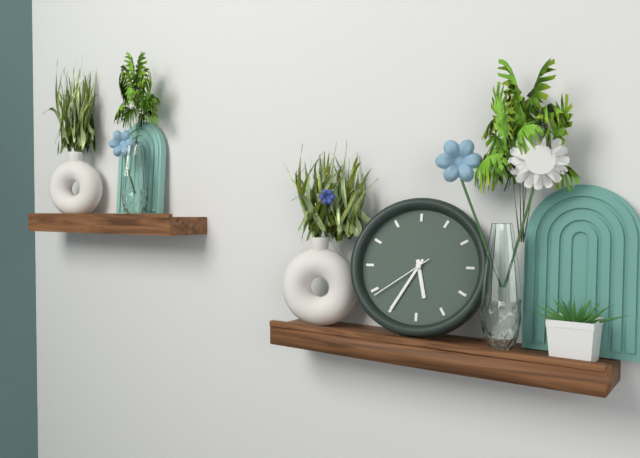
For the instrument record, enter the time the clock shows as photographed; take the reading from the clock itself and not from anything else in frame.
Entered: 5:35:39
